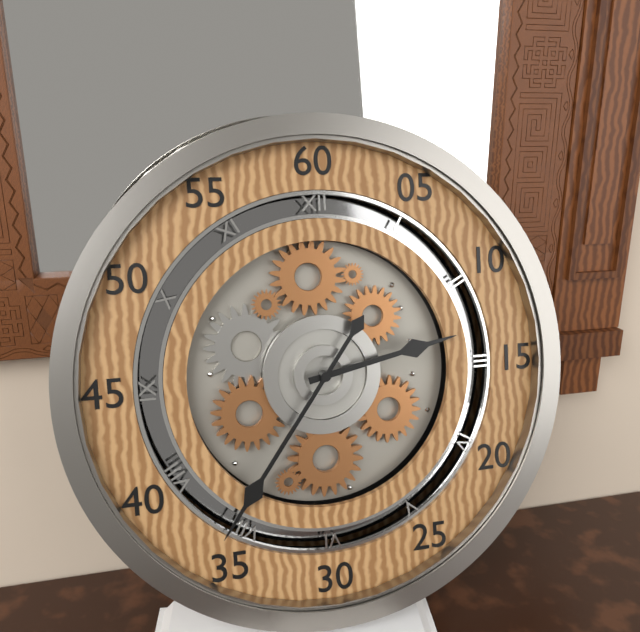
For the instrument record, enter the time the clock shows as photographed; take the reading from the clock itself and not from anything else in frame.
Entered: 2:36
